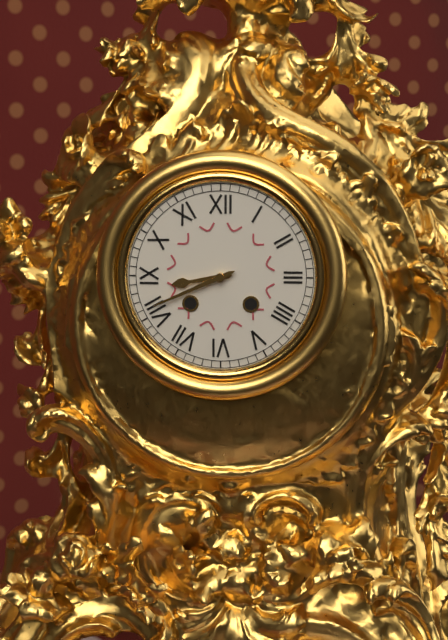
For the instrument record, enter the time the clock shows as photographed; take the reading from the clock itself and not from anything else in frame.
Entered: 8:41
